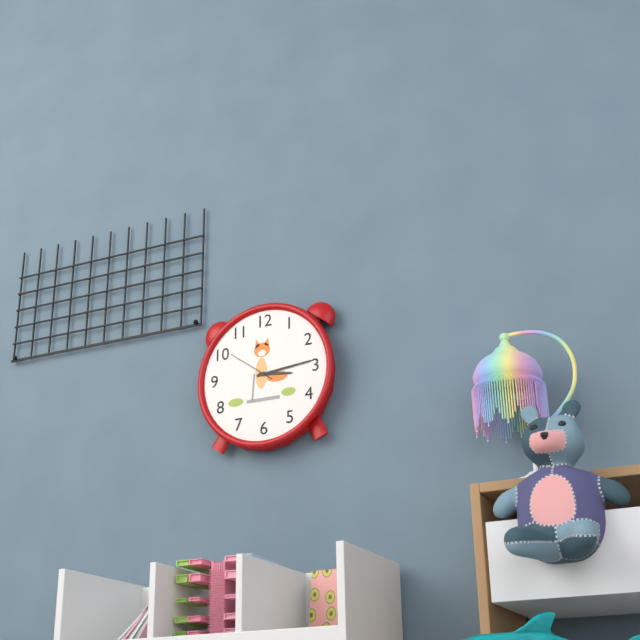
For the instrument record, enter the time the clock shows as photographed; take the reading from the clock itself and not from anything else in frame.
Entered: 3:14
